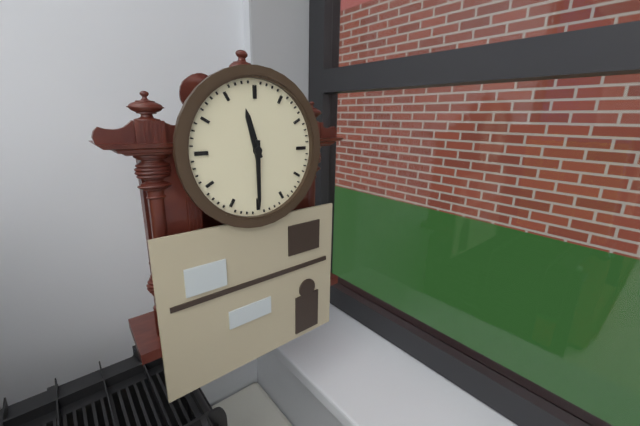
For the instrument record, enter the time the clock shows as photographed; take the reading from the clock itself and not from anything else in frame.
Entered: 11:30
